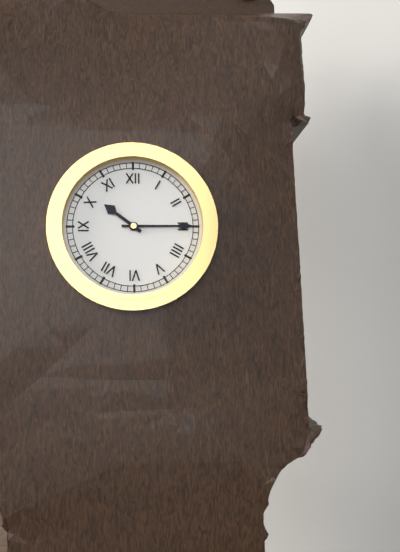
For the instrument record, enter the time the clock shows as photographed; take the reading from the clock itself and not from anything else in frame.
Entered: 10:15
